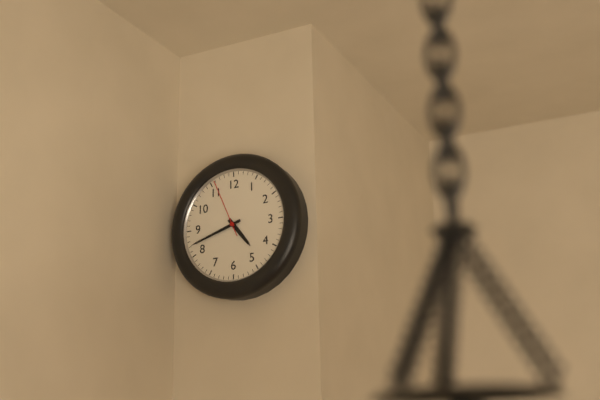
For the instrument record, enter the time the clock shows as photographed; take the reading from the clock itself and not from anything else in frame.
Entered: 4:42:56
